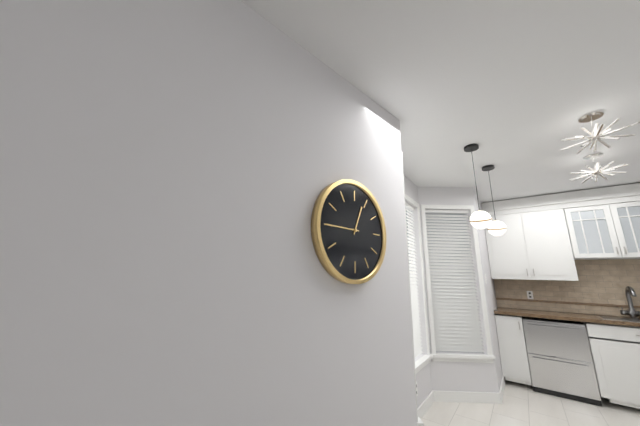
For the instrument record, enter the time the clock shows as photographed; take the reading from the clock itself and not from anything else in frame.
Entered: 12:45
